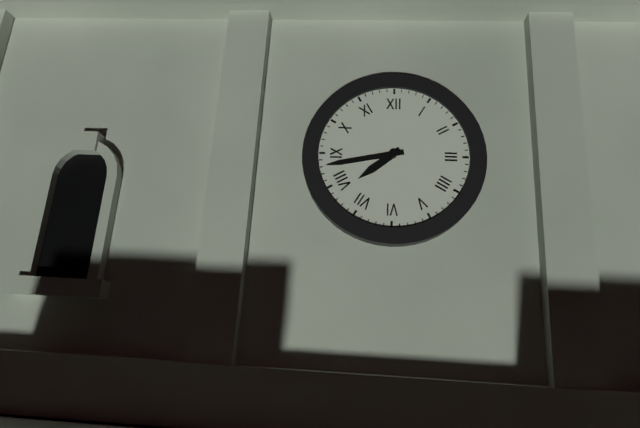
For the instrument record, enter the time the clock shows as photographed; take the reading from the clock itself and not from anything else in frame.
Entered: 7:43
